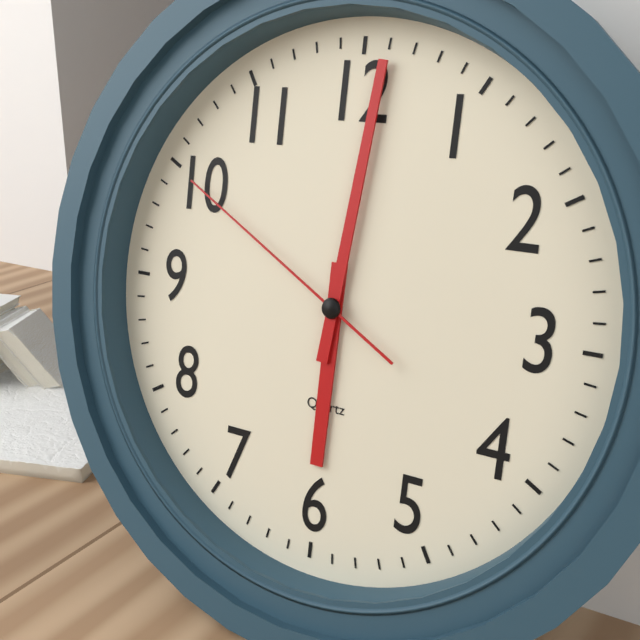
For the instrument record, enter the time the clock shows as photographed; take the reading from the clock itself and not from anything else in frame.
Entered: 6:01:50
